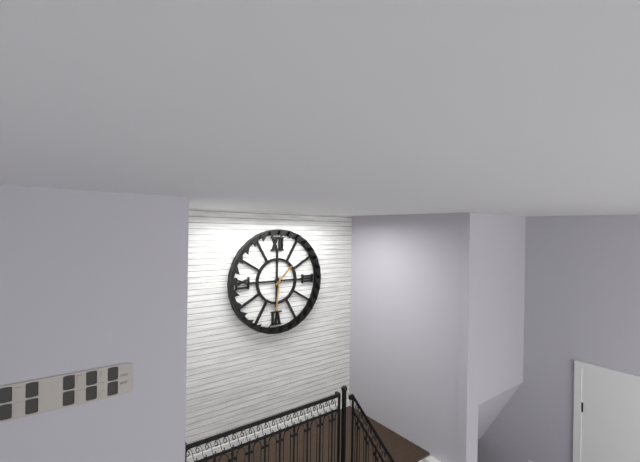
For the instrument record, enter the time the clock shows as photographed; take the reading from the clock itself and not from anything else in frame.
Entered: 1:31
